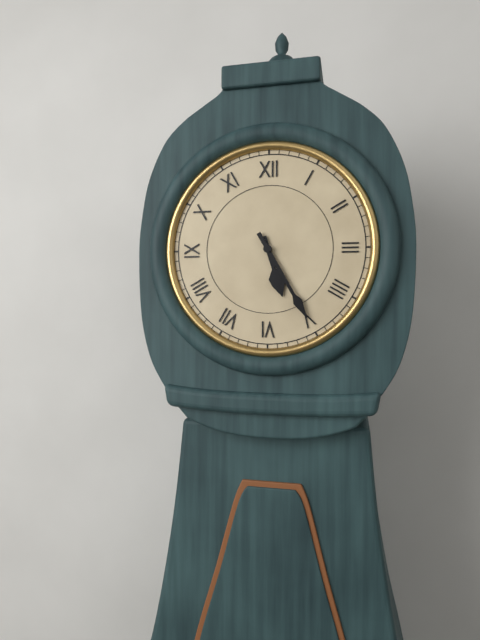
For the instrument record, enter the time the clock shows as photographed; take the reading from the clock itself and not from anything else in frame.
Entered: 5:25
